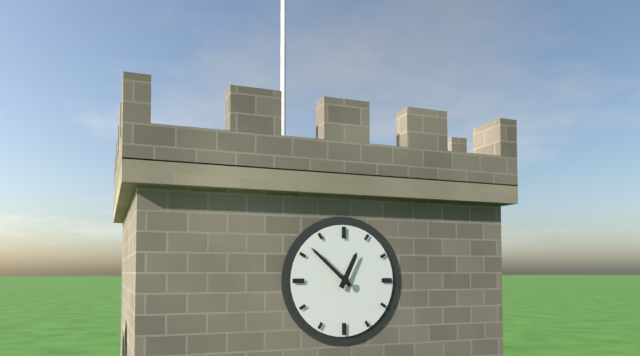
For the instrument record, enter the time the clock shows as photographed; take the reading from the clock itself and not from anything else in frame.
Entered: 12:52
